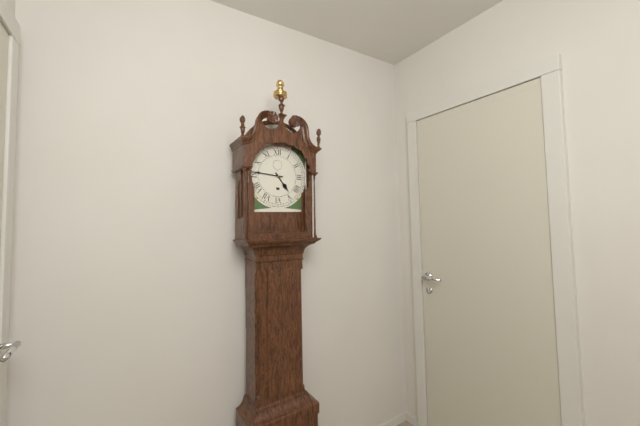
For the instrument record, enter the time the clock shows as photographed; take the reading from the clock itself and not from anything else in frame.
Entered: 4:46
